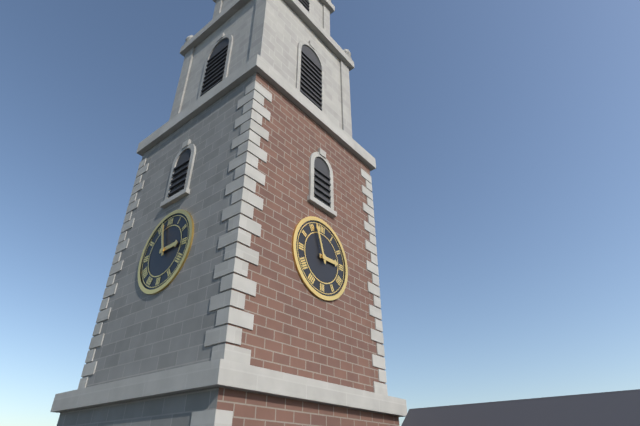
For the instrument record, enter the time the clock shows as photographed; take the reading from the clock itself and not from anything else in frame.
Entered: 2:57
